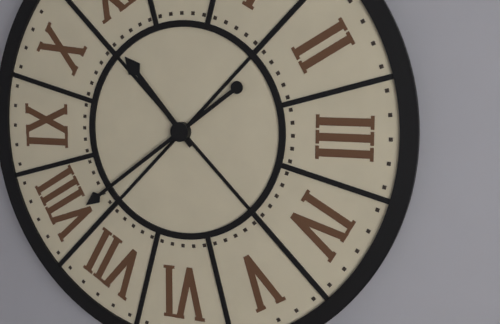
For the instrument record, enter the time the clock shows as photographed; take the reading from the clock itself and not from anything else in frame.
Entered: 10:39
